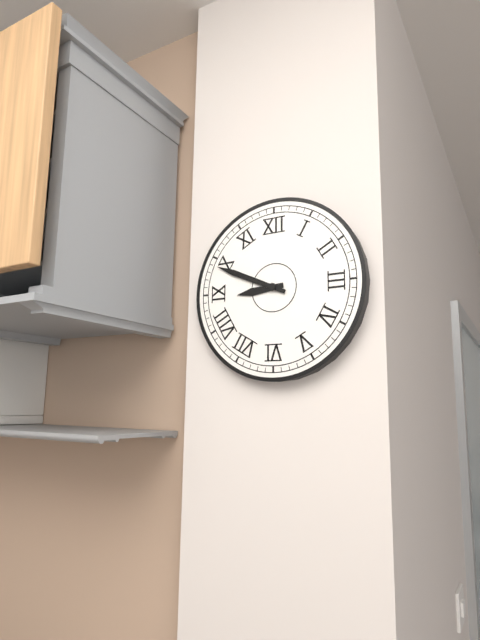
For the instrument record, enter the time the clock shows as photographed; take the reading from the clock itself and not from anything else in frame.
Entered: 8:49
